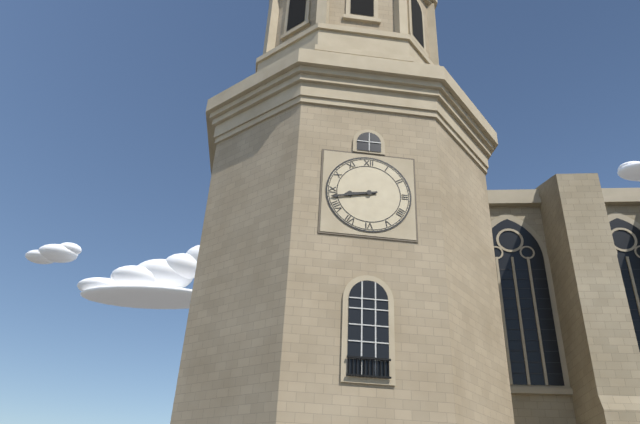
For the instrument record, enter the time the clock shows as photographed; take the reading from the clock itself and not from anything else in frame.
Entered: 8:43
